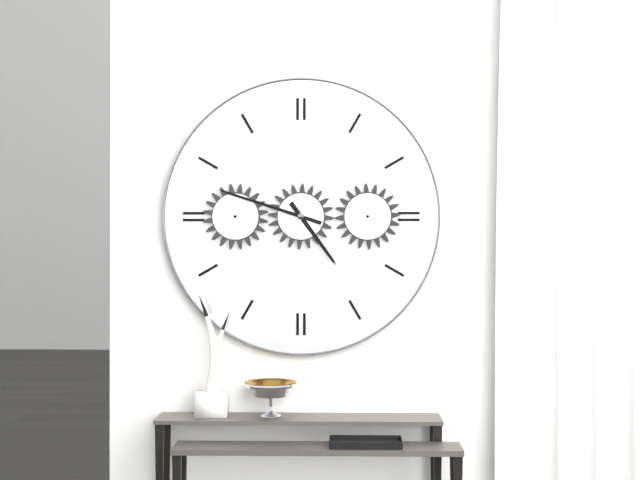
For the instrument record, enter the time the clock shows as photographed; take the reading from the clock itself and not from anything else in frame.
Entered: 4:48
